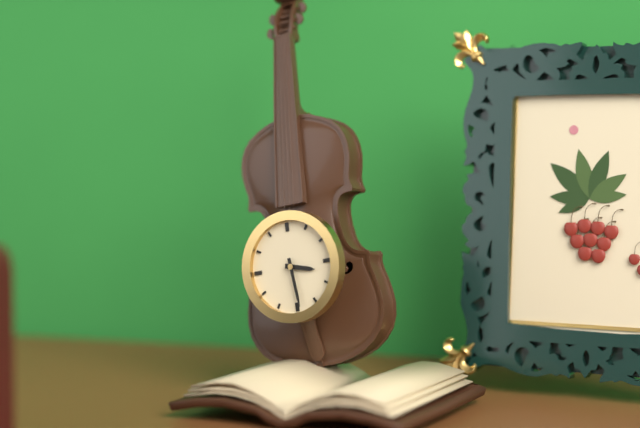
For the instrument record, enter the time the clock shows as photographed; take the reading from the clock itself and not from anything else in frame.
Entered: 3:29
